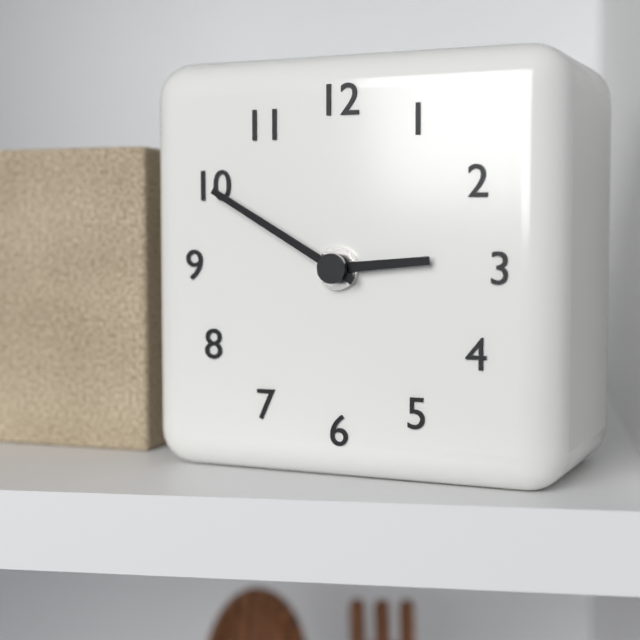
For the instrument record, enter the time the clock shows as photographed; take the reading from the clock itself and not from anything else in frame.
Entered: 2:50
